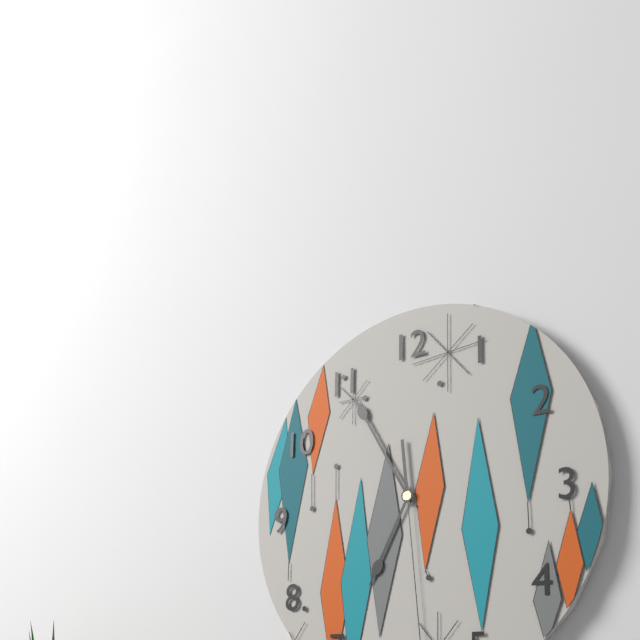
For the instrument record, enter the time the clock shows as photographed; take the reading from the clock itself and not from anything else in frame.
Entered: 6:55
